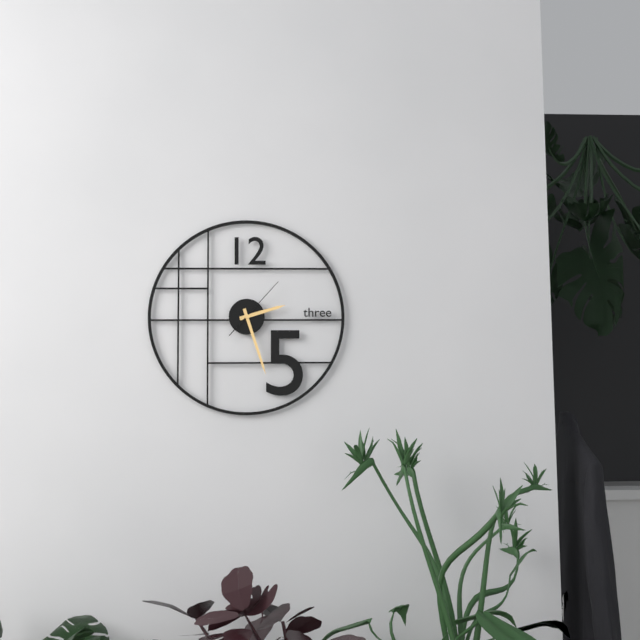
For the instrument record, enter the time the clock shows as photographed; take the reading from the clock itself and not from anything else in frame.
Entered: 2:27:07
